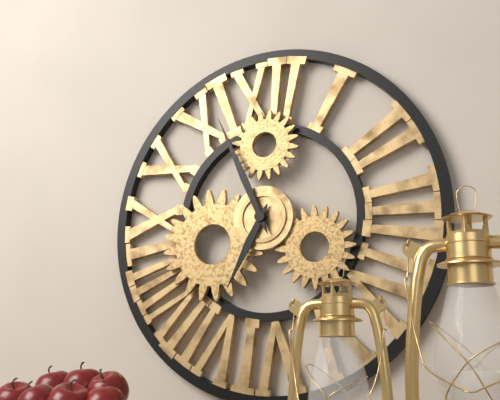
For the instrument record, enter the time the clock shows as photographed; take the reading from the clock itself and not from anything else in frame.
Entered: 6:56
